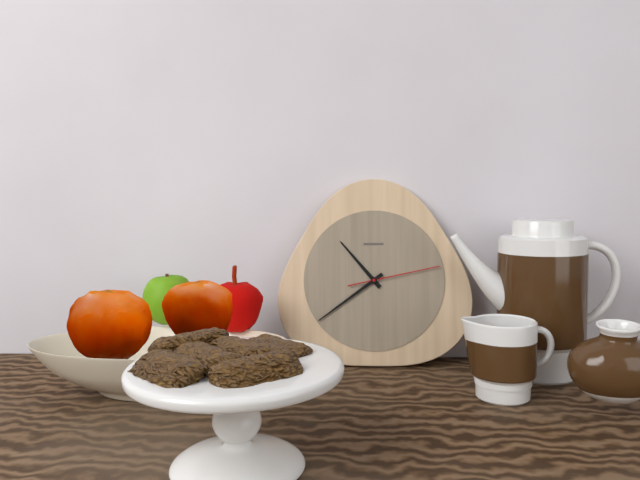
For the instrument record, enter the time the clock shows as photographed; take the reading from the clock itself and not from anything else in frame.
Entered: 10:39:13
